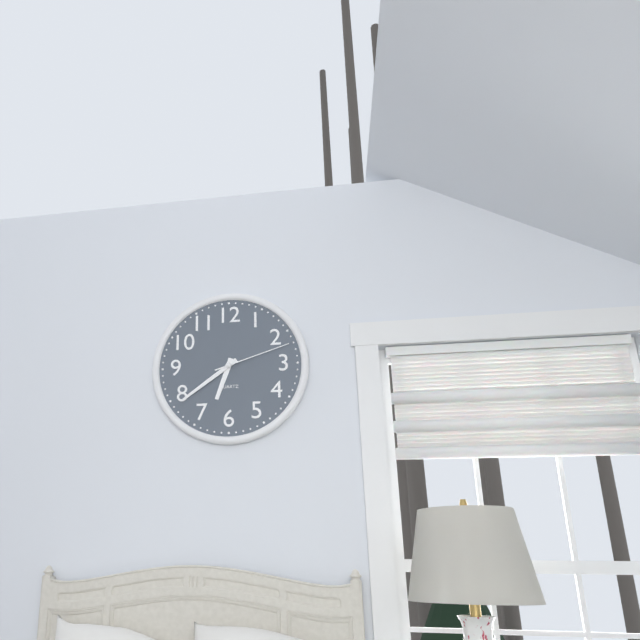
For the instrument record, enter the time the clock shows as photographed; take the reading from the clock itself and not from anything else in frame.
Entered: 6:39:12
